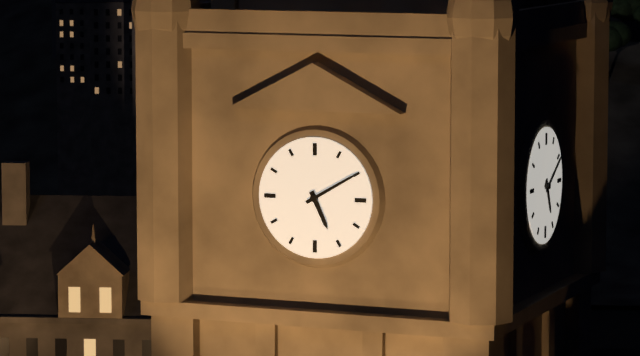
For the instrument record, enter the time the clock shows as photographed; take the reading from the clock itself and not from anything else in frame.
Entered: 5:10
